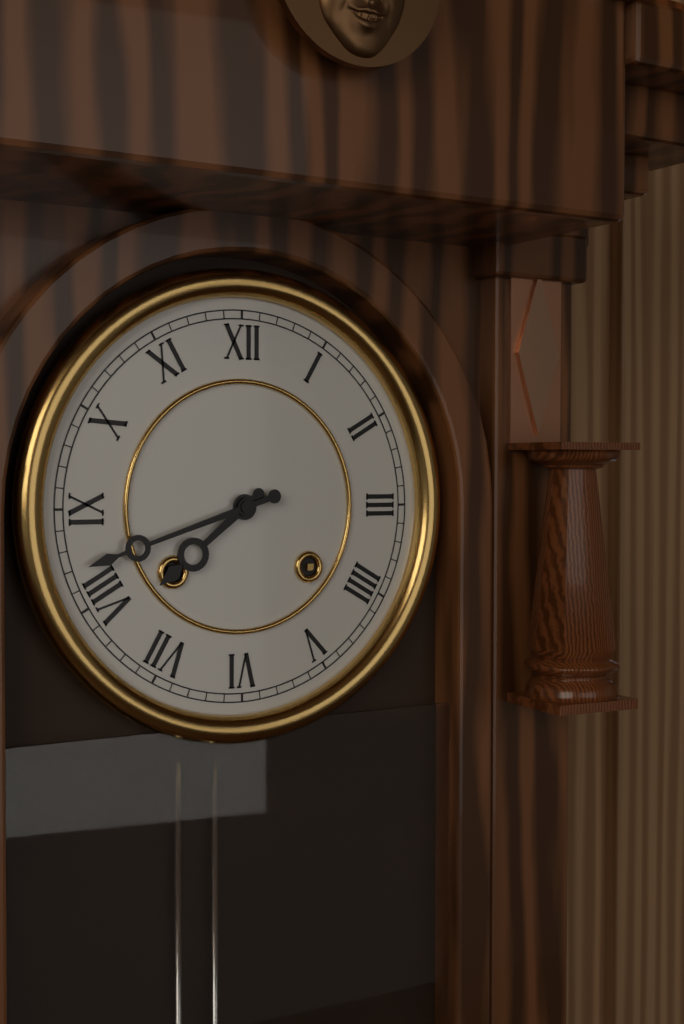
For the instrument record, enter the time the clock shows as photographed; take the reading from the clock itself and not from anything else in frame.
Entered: 7:42
